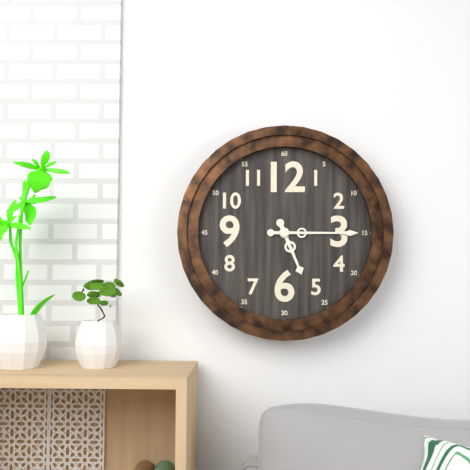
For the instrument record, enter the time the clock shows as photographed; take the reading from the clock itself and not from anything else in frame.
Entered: 5:15
